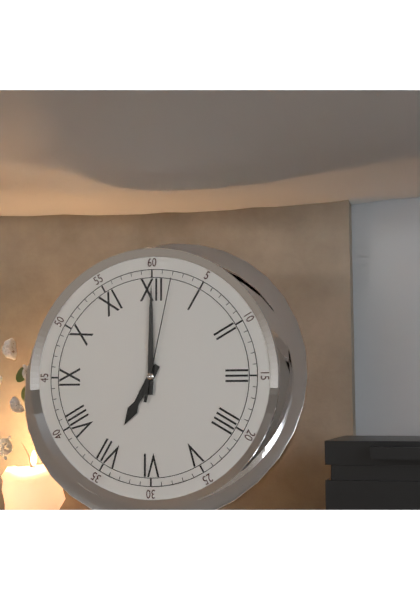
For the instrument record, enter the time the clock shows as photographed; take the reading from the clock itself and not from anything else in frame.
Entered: 7:00:02
